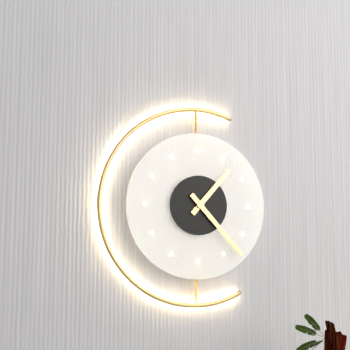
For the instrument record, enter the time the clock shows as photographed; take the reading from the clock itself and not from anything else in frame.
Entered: 1:23
